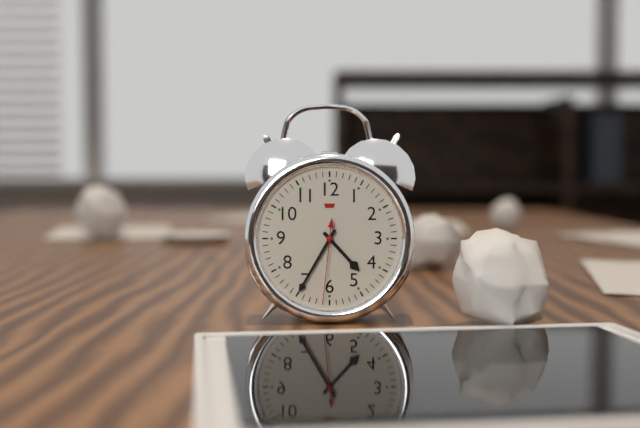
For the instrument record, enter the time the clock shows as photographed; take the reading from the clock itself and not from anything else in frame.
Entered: 4:35:31
